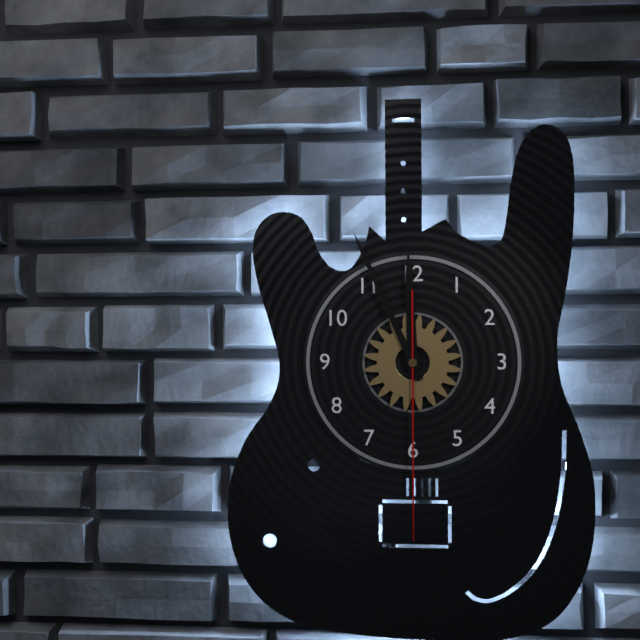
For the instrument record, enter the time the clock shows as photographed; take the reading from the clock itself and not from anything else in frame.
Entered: 11:56:30
